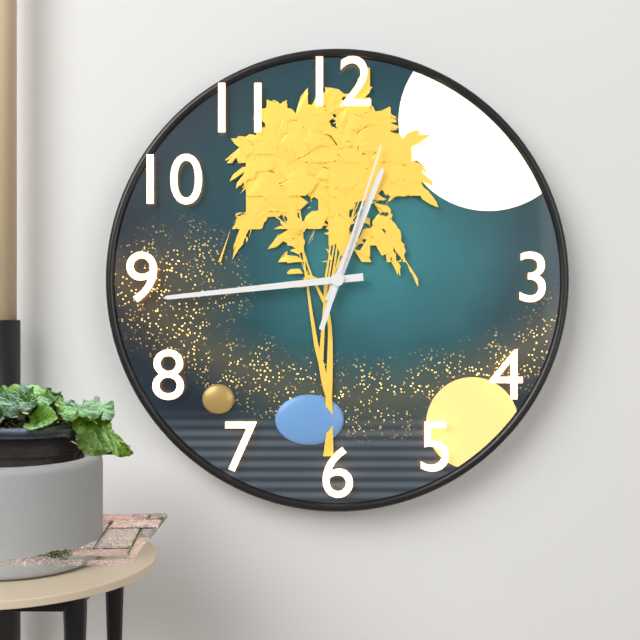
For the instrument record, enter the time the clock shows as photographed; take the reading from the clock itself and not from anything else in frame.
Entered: 12:44:03
